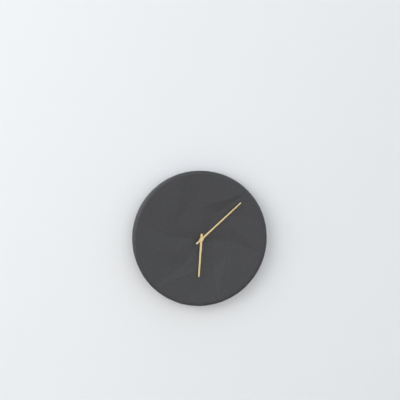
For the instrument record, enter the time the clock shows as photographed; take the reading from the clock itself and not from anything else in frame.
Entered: 6:08
